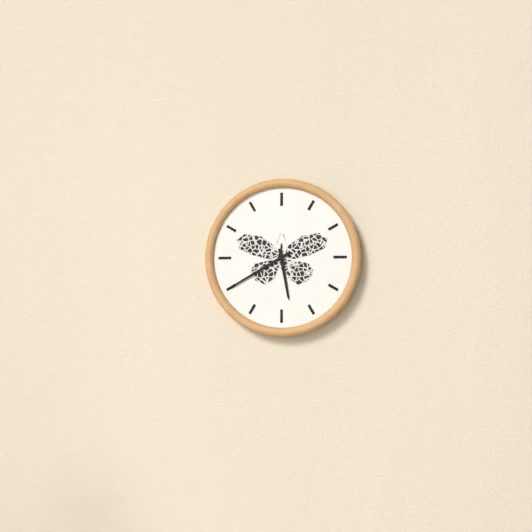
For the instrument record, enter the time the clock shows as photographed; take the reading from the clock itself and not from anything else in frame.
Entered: 5:40
